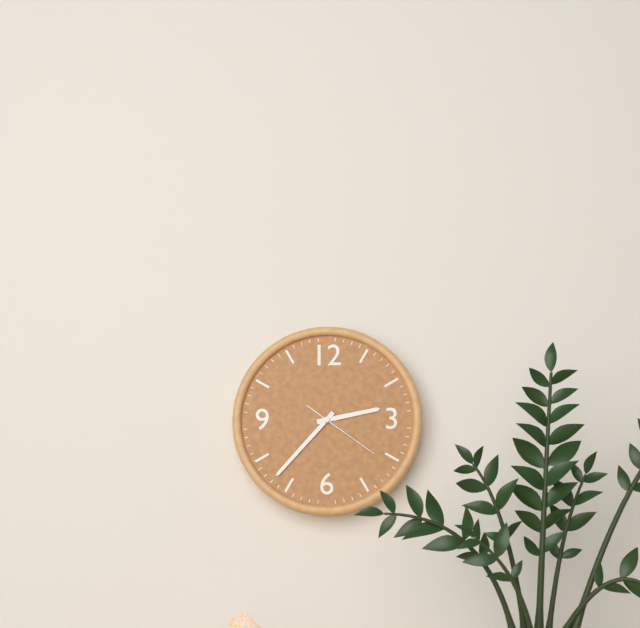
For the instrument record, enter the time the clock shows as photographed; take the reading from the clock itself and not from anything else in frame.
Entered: 2:37:21
